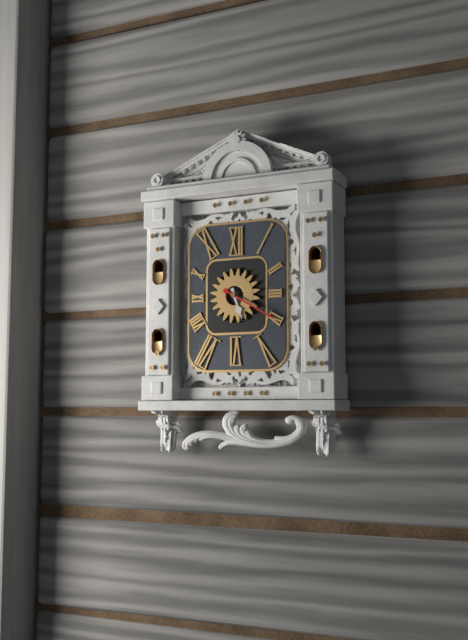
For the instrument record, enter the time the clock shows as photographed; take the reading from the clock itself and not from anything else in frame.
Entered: 5:20
